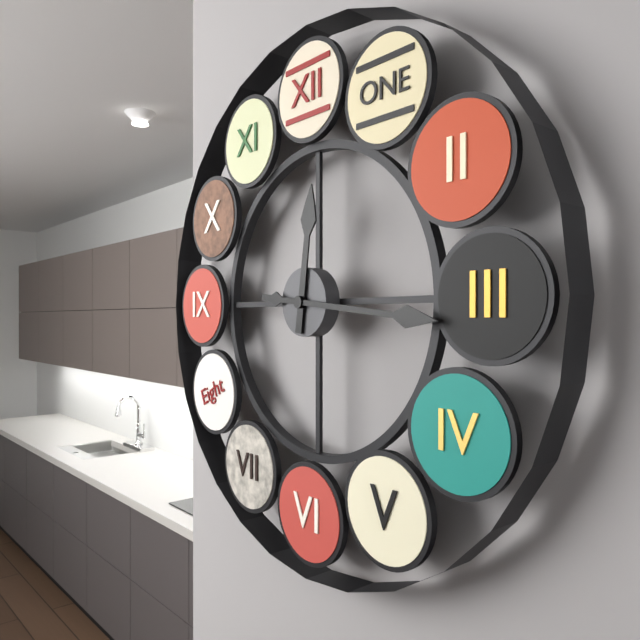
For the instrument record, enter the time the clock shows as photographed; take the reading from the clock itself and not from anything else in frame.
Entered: 12:16
